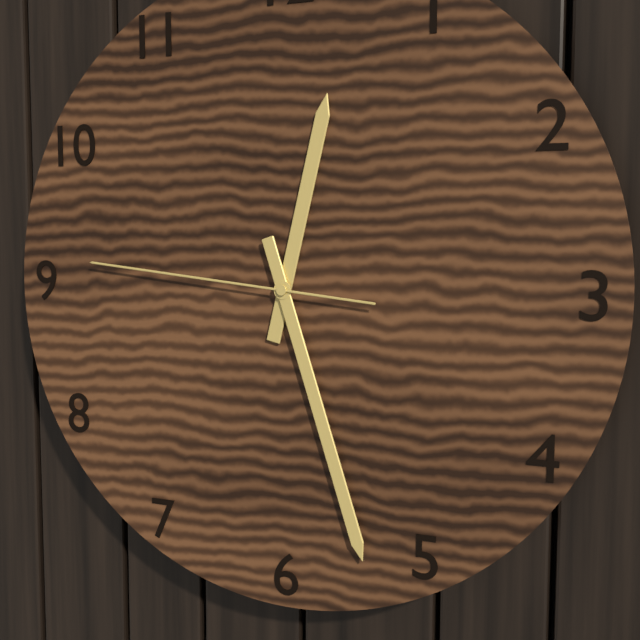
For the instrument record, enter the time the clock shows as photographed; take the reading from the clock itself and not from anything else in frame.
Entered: 12:27:46
